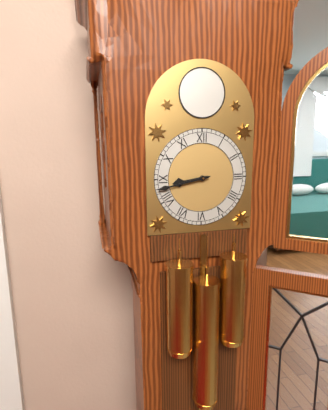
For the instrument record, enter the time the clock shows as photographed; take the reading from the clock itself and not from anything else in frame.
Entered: 8:43
